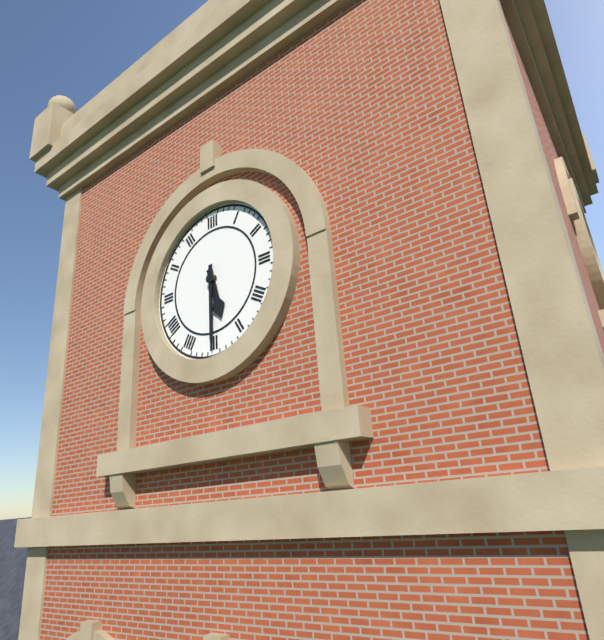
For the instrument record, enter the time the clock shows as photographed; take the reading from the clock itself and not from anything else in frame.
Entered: 5:30
